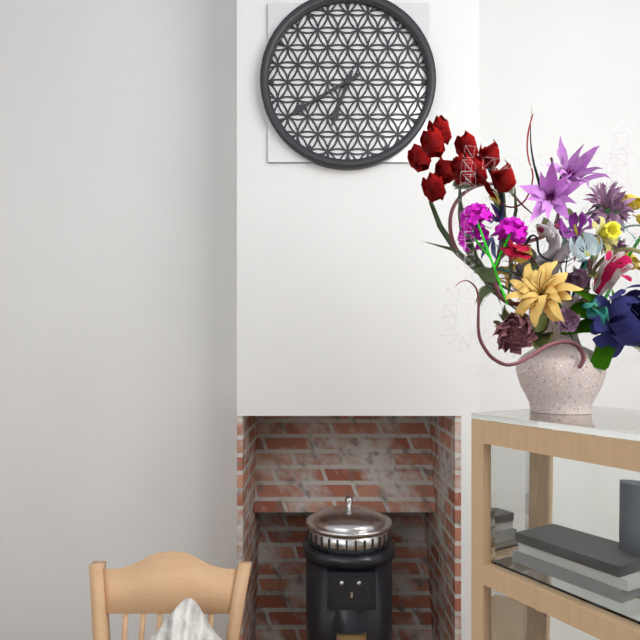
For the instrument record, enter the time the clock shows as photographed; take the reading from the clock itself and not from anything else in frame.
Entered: 6:40
